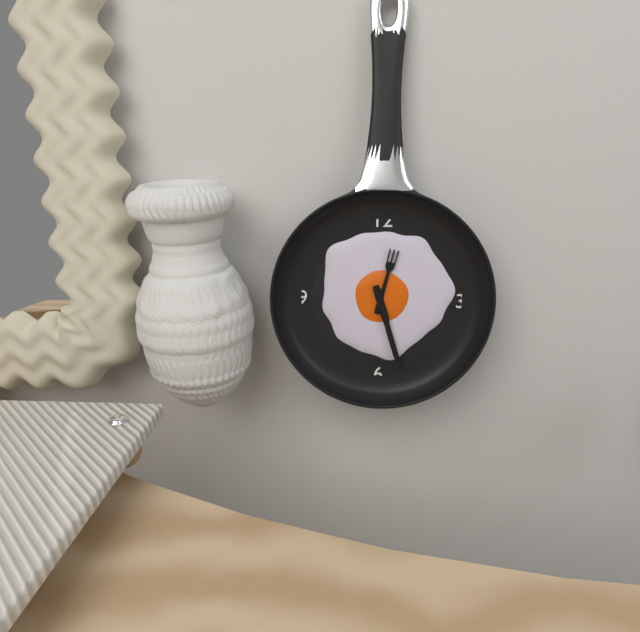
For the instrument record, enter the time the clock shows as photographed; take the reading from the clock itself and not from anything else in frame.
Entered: 12:27
